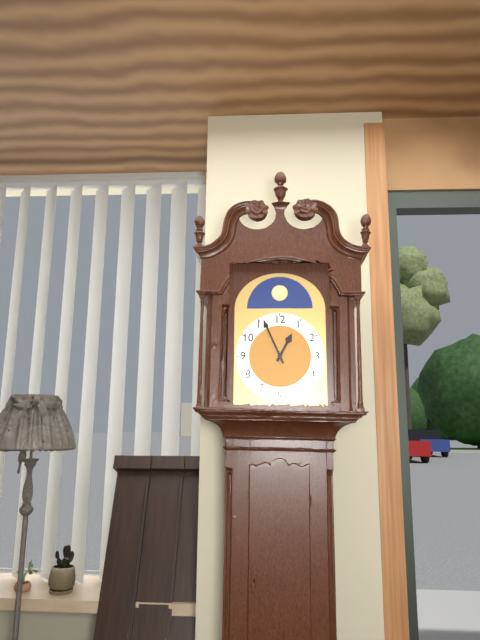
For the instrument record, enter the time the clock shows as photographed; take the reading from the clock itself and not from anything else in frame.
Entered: 12:56
